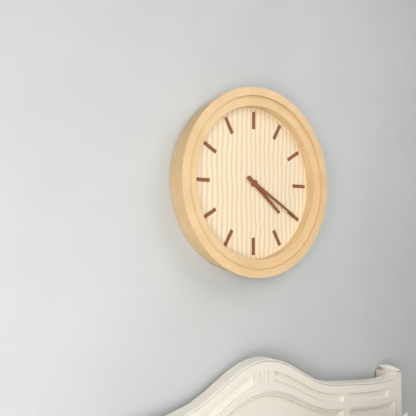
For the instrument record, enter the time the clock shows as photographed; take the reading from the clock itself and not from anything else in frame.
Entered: 4:20
